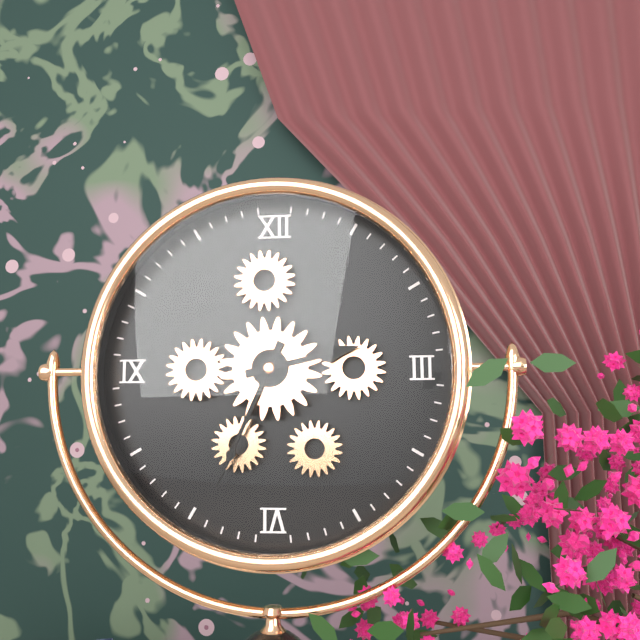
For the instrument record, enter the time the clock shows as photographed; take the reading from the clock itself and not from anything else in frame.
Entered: 2:34
